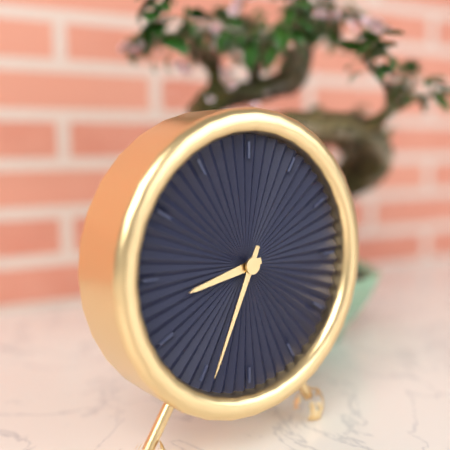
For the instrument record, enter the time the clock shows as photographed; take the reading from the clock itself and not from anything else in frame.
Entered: 8:34
